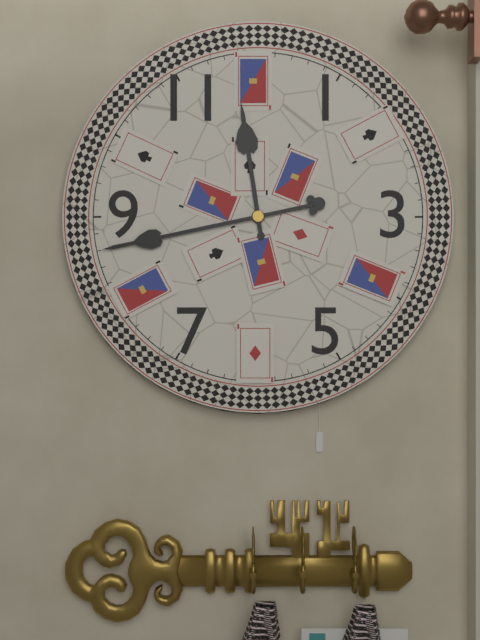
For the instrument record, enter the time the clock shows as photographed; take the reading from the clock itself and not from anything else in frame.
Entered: 11:43
